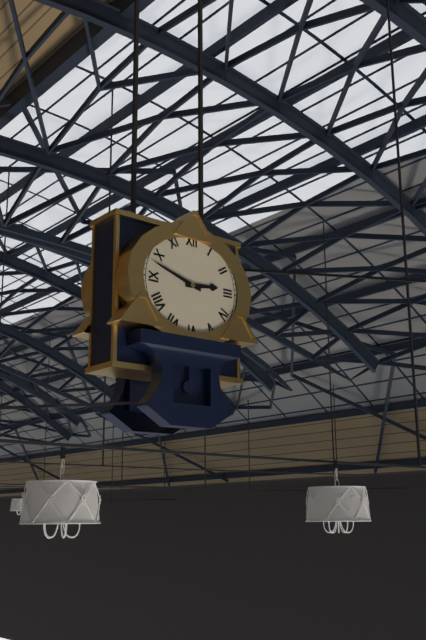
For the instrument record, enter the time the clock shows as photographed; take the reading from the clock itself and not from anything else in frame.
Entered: 2:48
